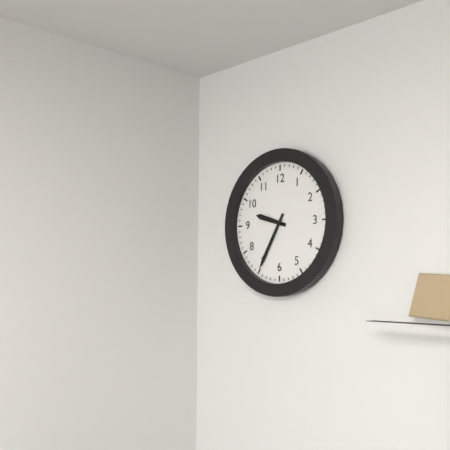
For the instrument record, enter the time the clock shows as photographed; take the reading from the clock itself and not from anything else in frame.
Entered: 9:35
